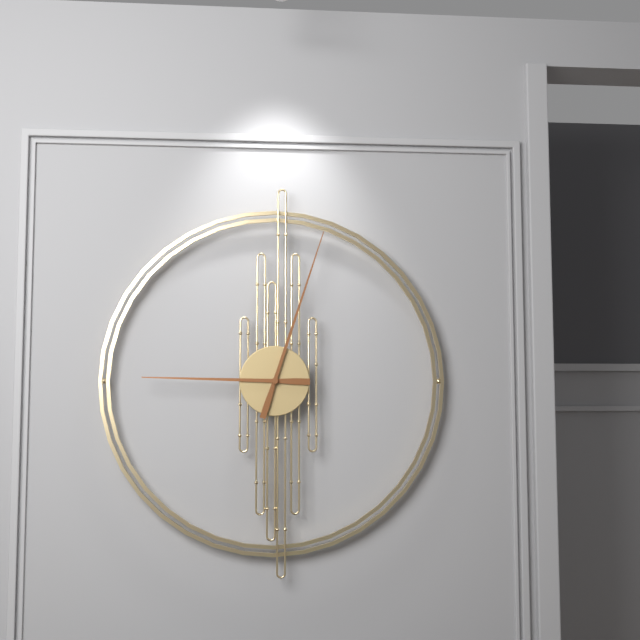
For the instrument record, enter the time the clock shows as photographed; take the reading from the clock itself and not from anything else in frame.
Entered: 9:03
